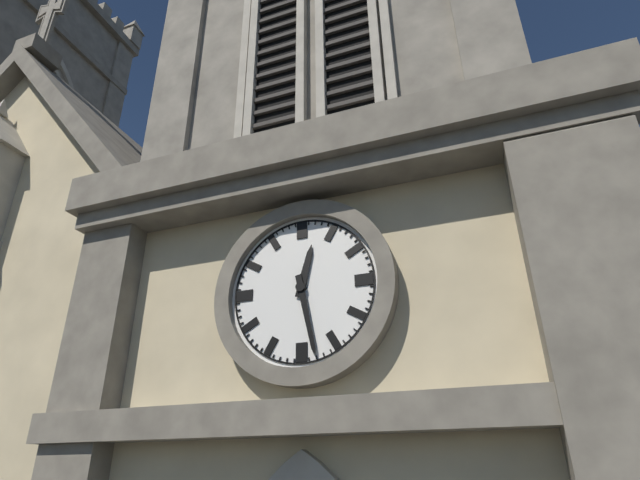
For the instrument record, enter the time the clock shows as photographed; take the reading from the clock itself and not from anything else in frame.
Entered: 12:28
